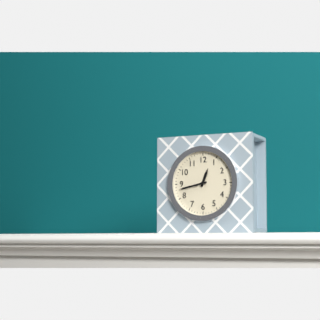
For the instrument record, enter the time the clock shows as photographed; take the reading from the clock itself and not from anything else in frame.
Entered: 12:43
